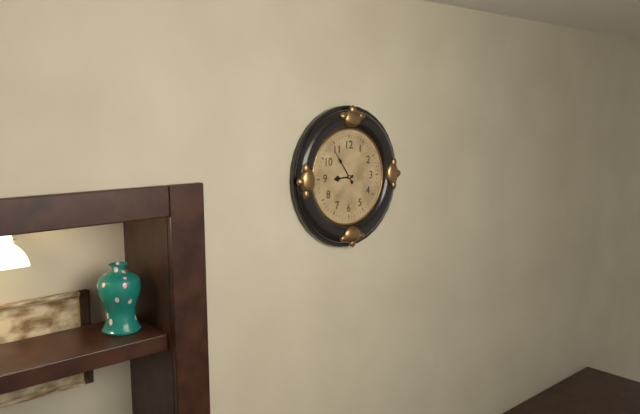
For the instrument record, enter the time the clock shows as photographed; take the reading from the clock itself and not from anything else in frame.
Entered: 8:54
